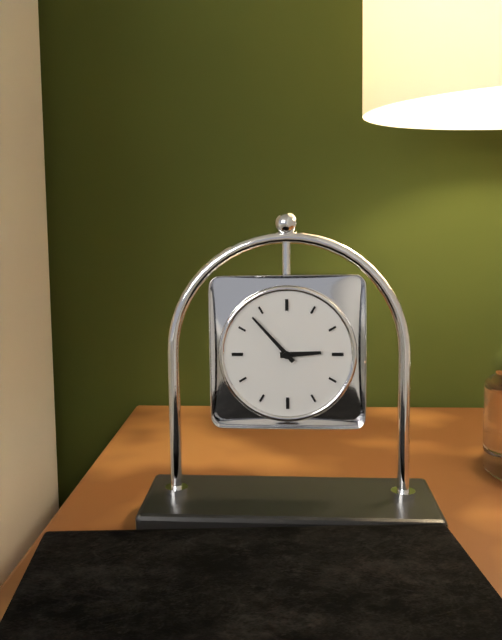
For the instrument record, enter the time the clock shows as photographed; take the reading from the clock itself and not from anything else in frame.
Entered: 2:53
